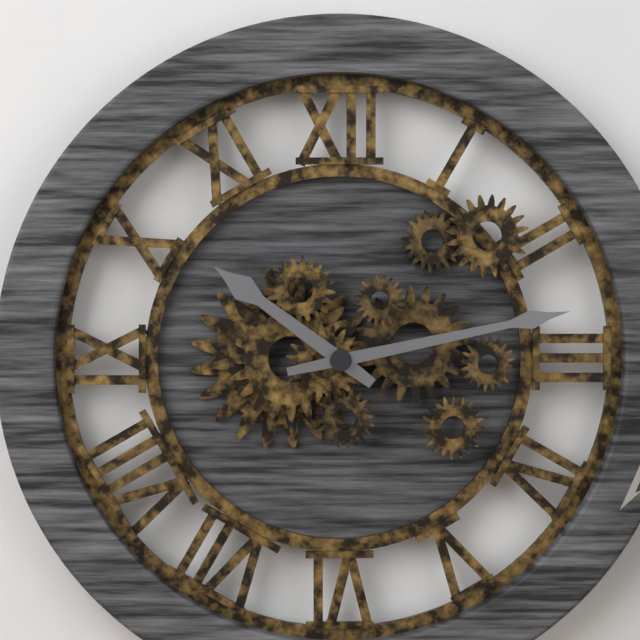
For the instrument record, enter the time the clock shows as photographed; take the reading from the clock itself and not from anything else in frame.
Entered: 10:13
